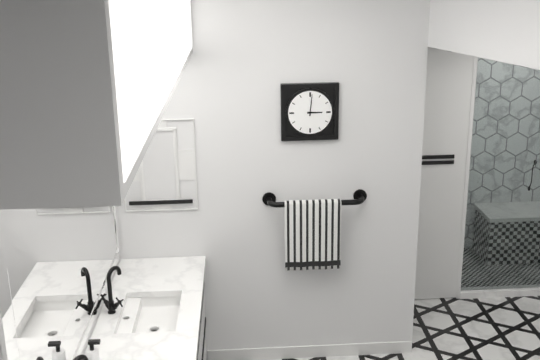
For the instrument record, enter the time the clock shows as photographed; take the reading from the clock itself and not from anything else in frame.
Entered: 3:01
